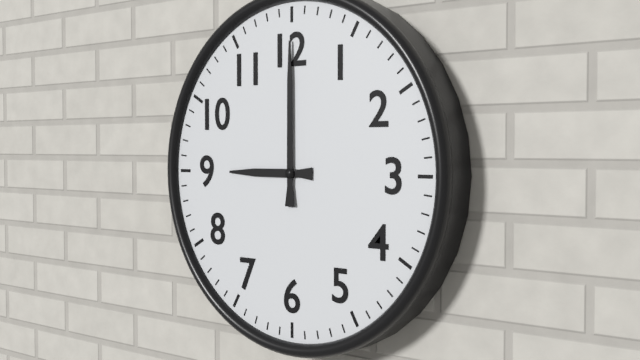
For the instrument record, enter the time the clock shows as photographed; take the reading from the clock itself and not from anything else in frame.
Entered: 9:00
